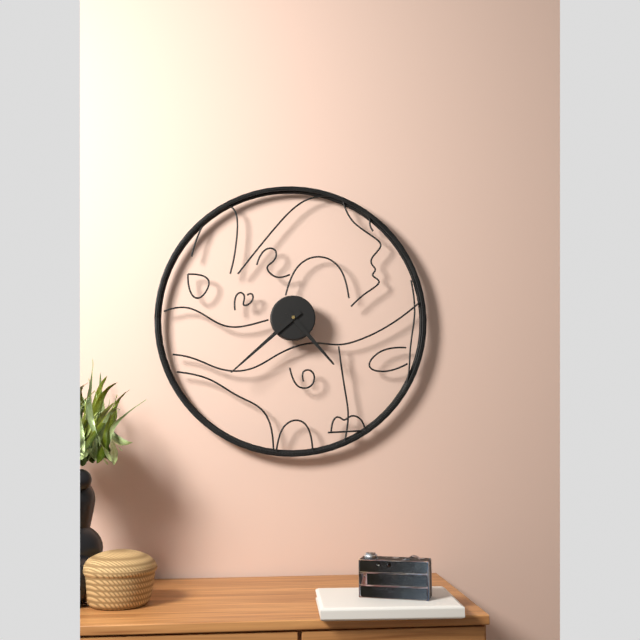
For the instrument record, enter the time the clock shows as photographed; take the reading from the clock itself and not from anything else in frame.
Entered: 4:38
